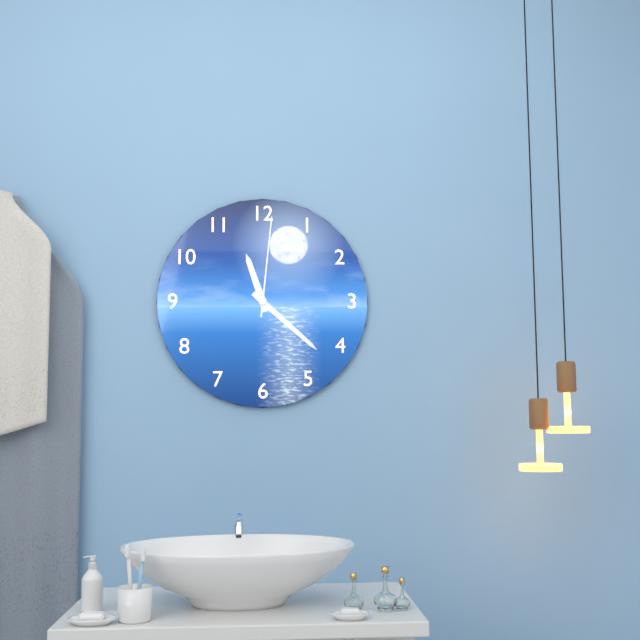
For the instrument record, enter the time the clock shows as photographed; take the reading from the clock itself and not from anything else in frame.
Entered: 11:22:01
